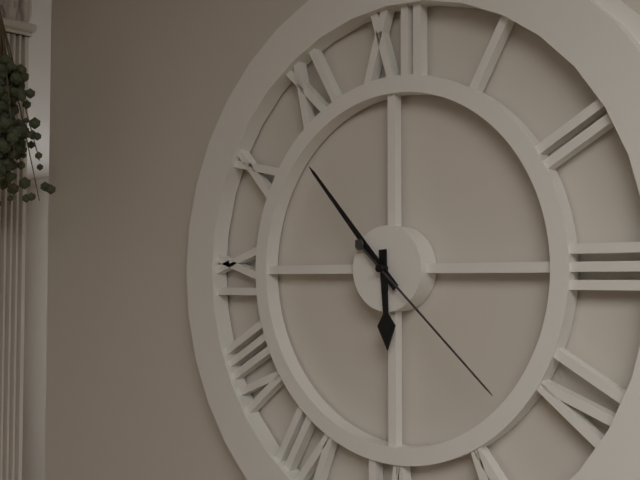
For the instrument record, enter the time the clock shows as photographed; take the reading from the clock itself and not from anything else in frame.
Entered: 5:53:22
